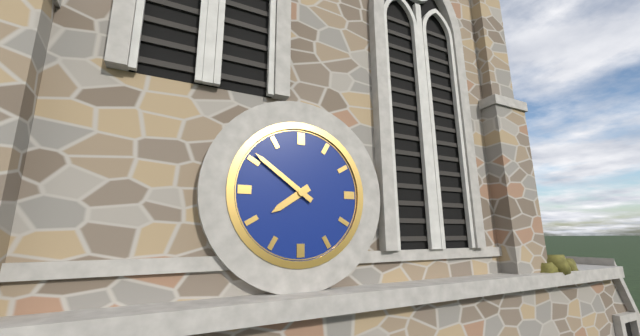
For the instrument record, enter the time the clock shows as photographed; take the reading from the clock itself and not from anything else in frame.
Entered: 7:51
